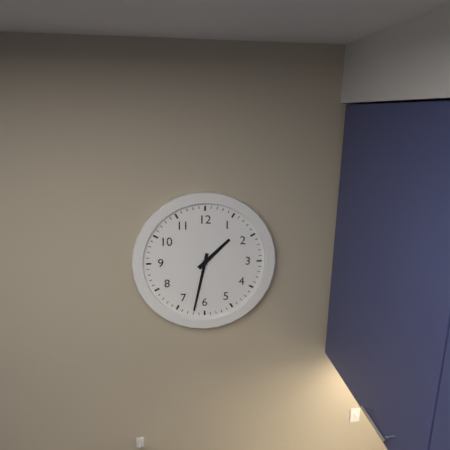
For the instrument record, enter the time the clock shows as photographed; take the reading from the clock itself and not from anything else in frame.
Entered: 1:32
